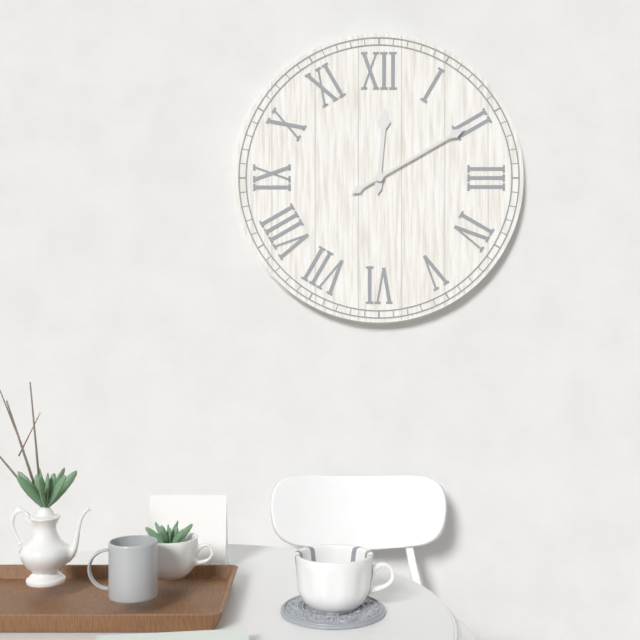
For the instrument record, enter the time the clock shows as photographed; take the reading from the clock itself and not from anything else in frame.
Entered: 12:10
